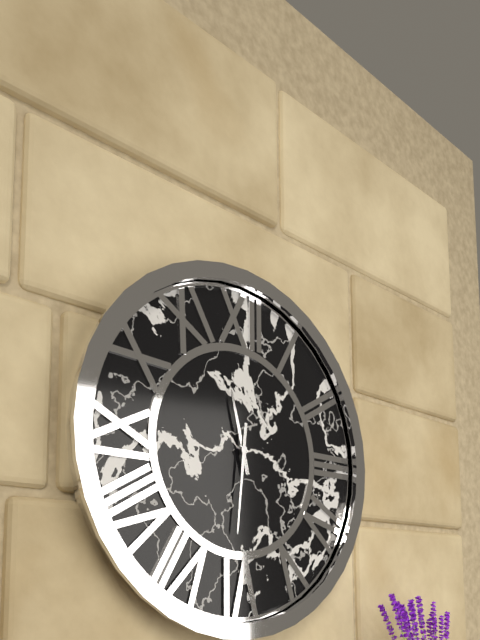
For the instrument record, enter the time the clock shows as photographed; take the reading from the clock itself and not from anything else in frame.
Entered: 11:31
